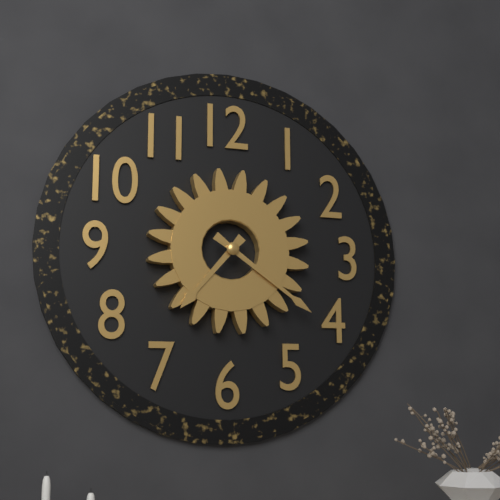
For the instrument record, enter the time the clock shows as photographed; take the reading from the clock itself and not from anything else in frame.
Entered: 7:21
